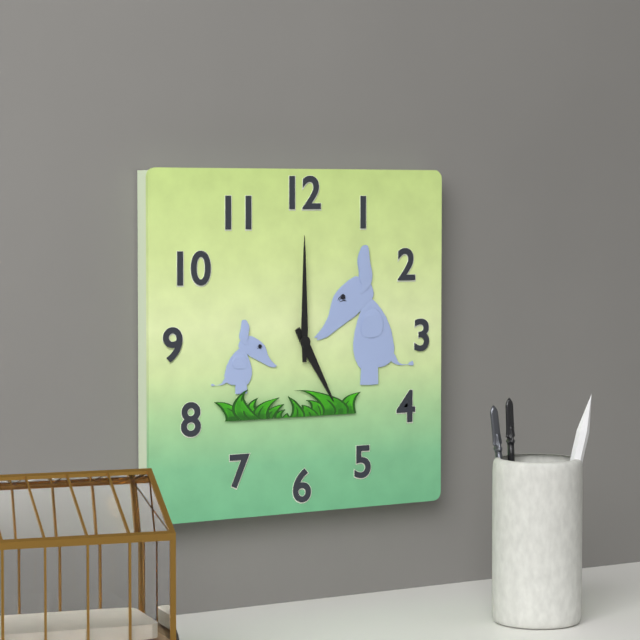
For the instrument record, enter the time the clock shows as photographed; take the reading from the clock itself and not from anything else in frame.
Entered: 5:00
